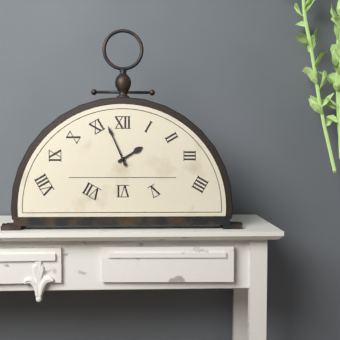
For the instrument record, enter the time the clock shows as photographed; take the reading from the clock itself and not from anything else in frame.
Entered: 1:56
